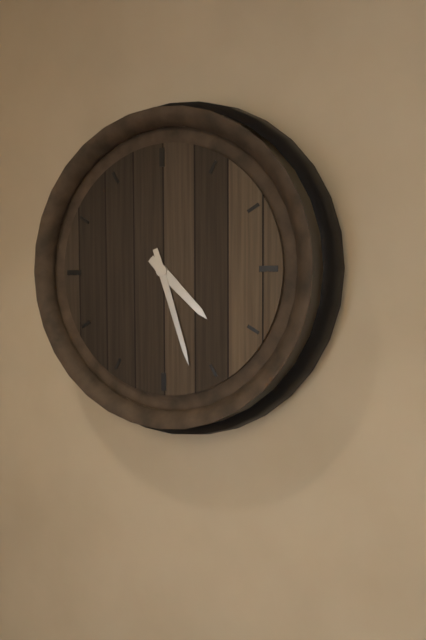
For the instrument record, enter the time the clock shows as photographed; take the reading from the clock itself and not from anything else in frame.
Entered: 4:27
